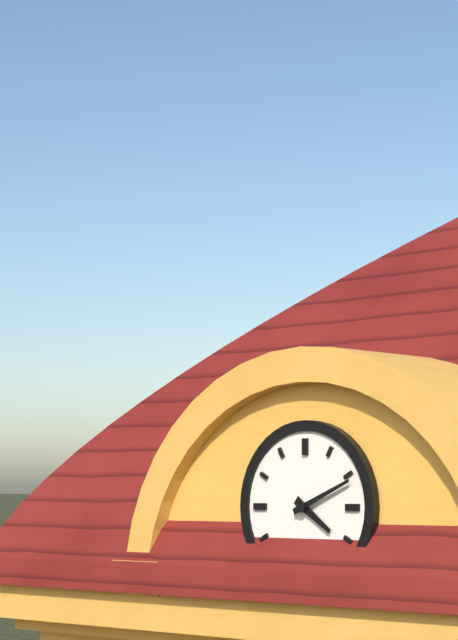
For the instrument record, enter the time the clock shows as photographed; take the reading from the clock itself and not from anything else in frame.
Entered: 4:11
